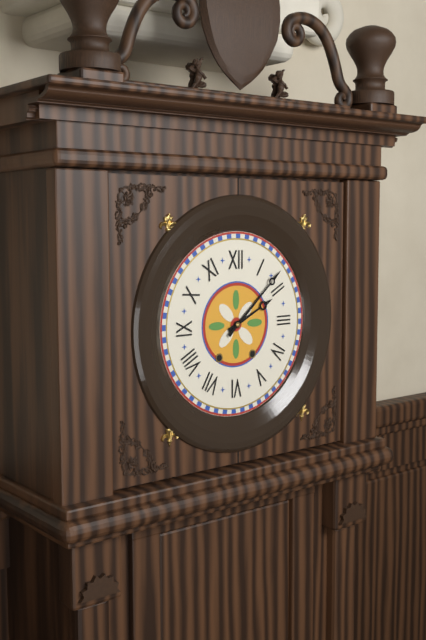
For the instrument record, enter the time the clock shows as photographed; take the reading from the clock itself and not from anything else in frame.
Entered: 2:08
